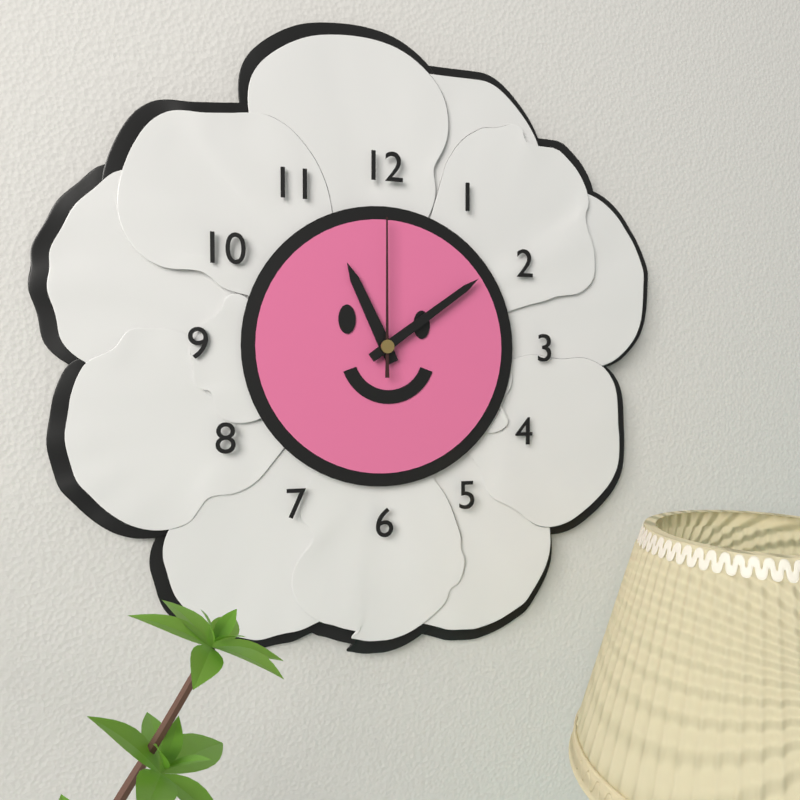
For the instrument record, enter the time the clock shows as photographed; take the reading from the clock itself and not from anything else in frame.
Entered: 11:09:00
